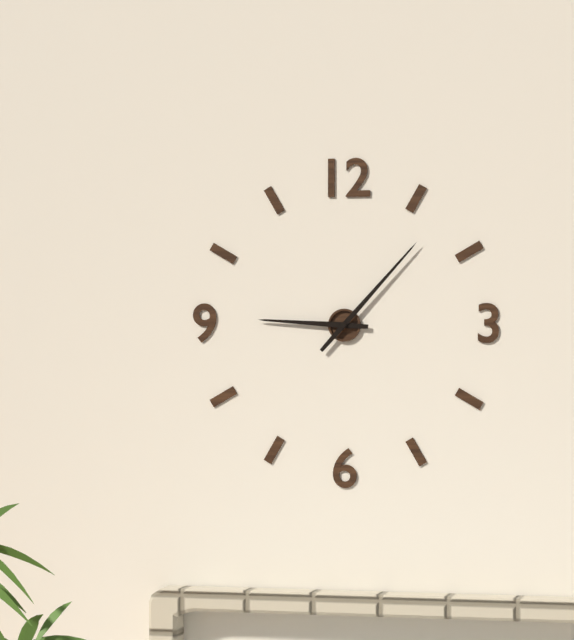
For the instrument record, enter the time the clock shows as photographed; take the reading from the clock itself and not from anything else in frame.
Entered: 9:07
